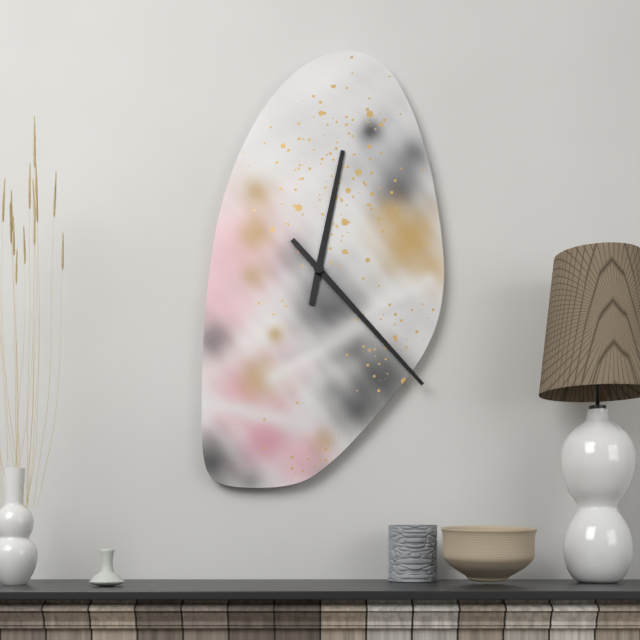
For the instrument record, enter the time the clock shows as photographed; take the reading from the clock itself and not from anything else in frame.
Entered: 12:23
